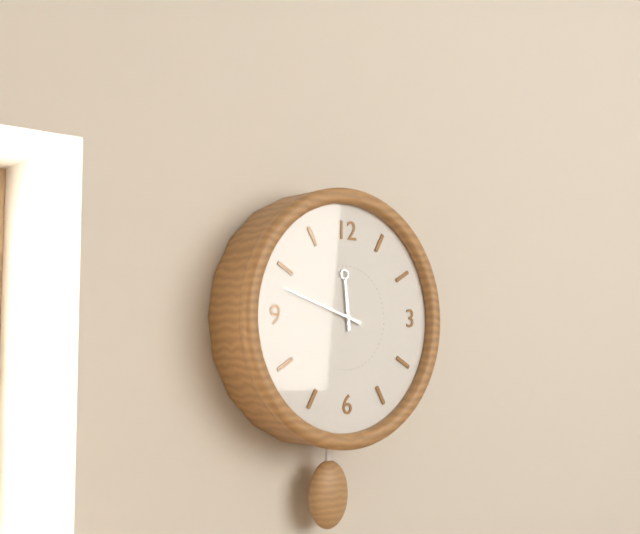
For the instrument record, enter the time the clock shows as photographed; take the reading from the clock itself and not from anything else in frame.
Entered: 11:48
